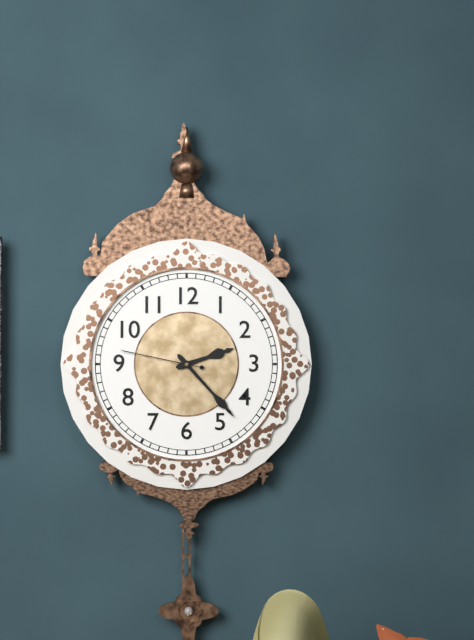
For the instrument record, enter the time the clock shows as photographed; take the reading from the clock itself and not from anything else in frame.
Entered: 2:23:47
